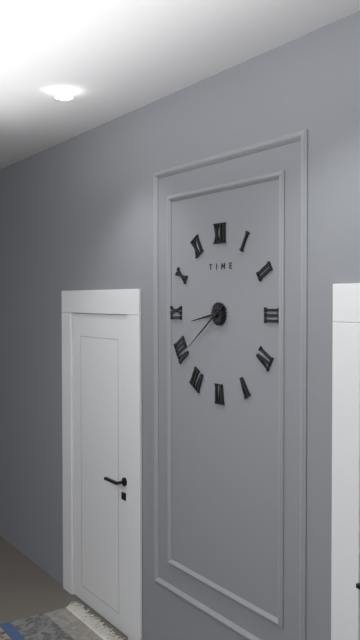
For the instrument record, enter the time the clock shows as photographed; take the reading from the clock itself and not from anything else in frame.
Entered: 8:39
